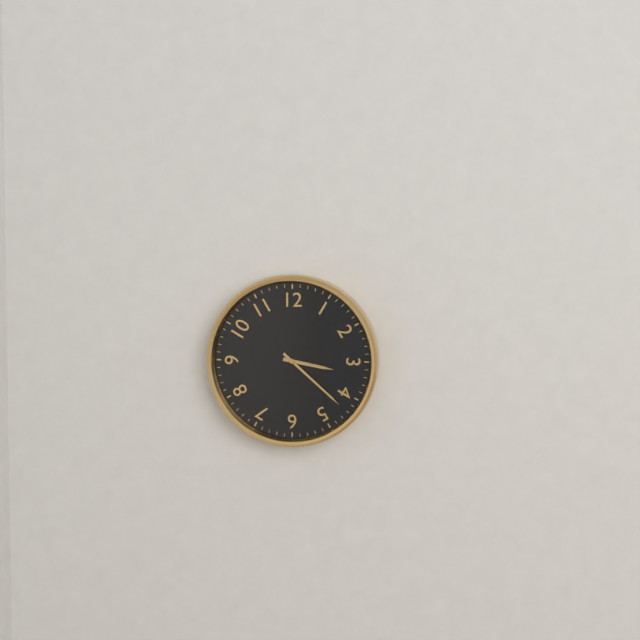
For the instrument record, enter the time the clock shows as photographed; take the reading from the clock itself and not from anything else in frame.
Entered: 3:22
